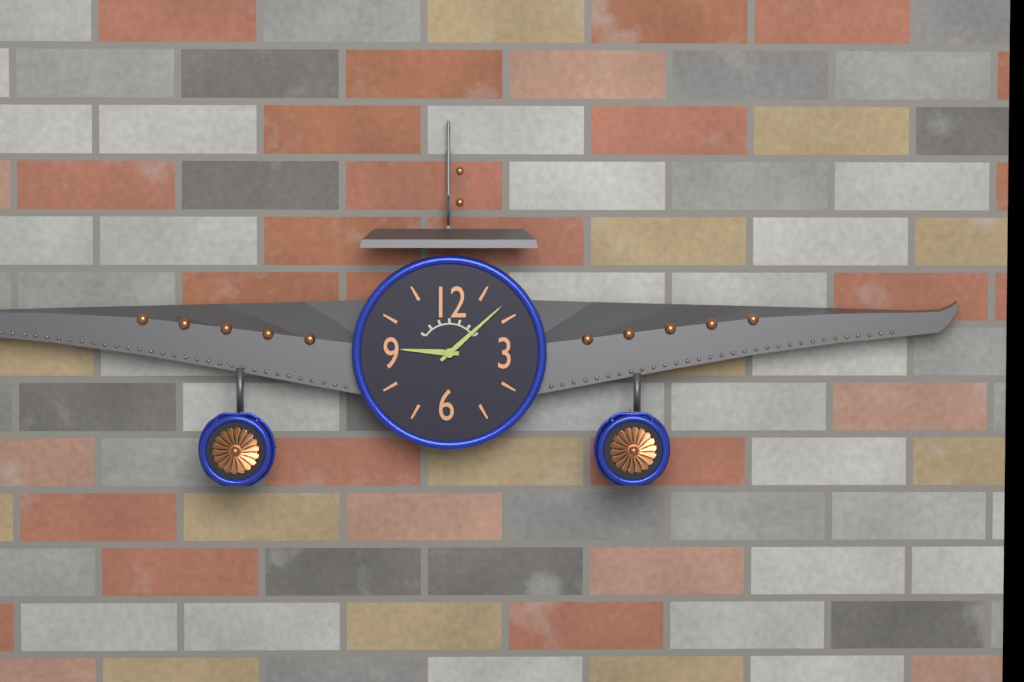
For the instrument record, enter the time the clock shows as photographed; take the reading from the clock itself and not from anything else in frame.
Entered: 9:08
